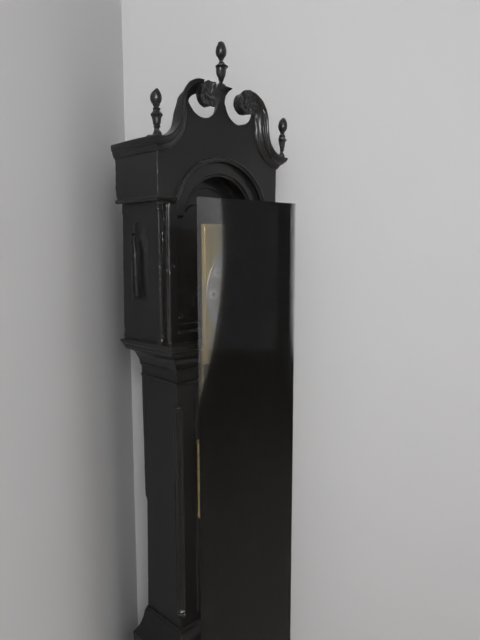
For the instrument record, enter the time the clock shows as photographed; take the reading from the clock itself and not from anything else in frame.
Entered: 9:35
